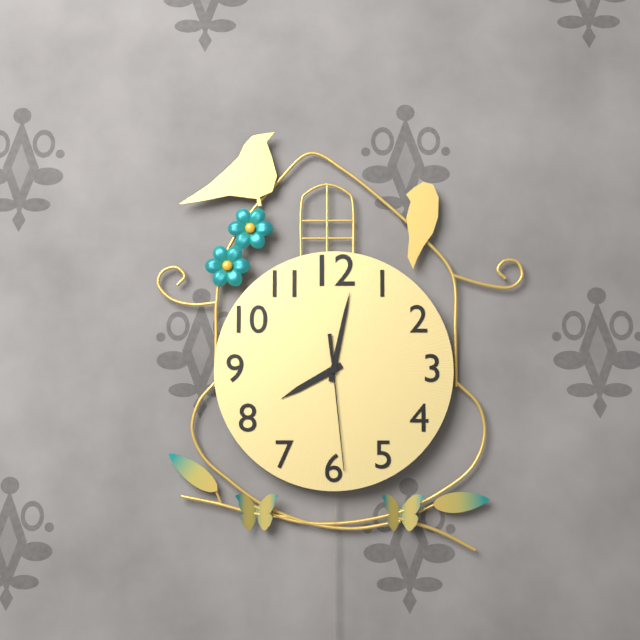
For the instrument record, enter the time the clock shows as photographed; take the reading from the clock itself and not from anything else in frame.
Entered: 8:02:29
